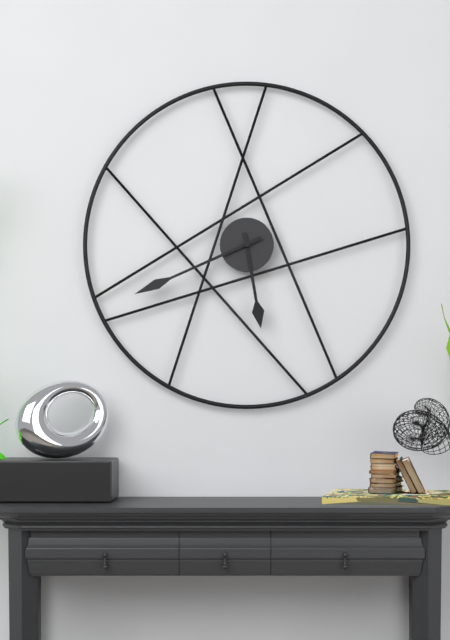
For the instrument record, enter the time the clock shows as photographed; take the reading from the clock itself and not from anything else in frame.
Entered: 5:41
